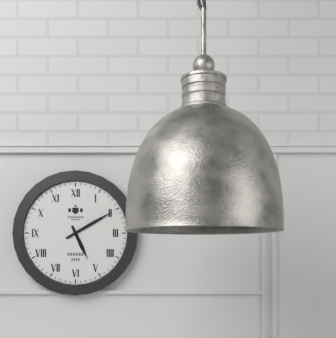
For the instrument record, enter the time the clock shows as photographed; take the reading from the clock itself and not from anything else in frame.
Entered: 5:10
